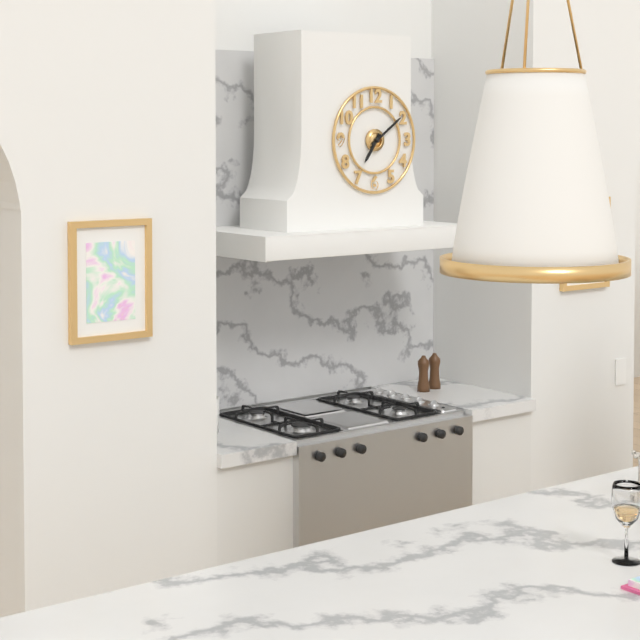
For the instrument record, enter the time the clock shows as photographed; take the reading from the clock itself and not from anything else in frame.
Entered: 7:09
